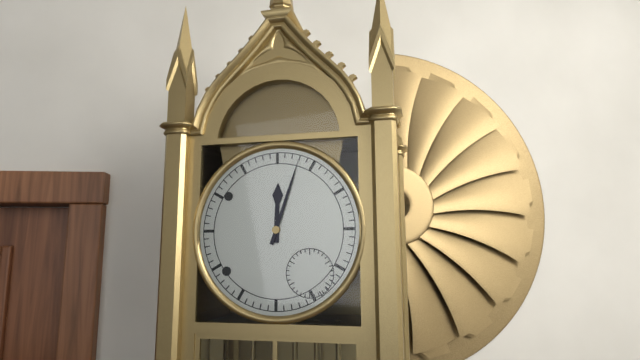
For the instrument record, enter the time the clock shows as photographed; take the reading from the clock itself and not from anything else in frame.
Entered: 12:03
